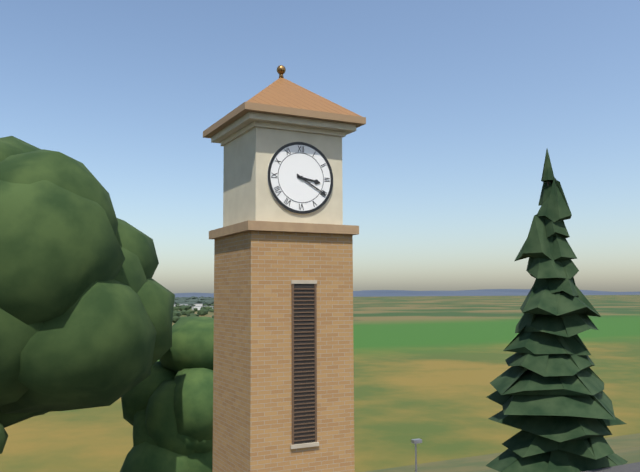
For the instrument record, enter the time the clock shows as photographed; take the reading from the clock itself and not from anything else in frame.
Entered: 3:20
